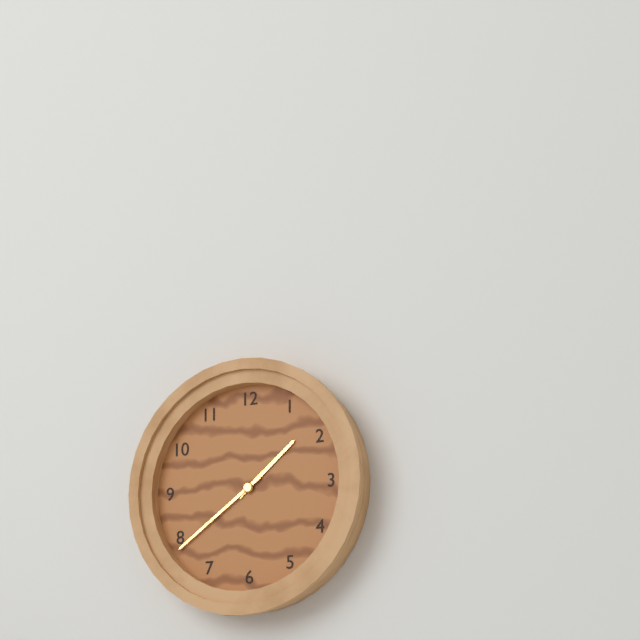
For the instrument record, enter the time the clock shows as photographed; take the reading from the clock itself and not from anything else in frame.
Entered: 1:39
